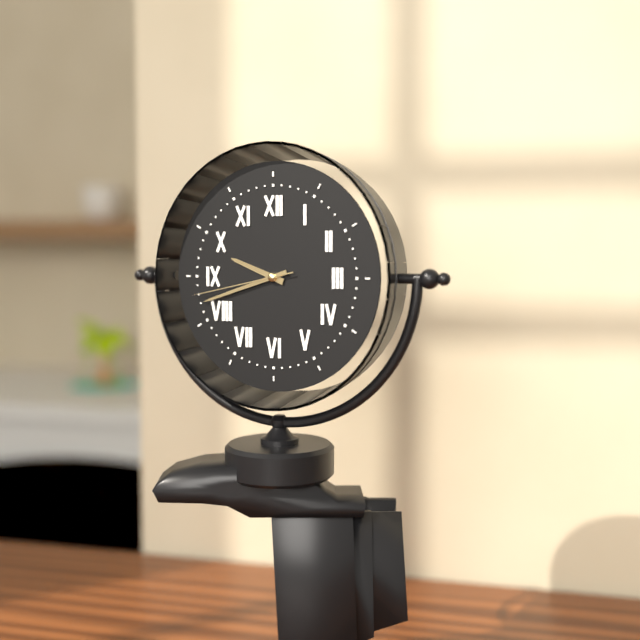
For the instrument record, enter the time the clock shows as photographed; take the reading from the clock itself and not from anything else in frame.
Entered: 9:42:43
